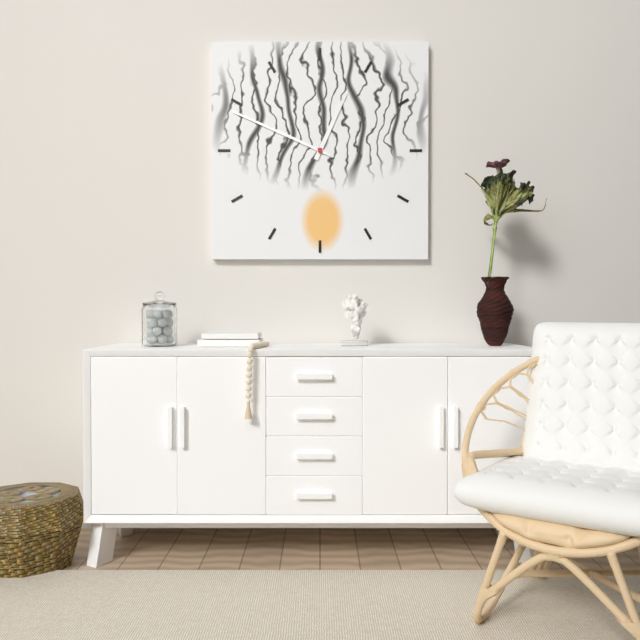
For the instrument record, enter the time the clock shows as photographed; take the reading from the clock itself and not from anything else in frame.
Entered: 12:49
